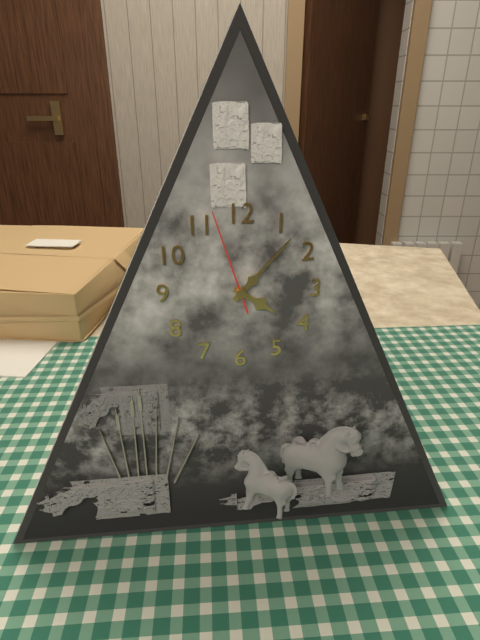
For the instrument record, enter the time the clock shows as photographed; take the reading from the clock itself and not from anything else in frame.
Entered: 4:07:57
